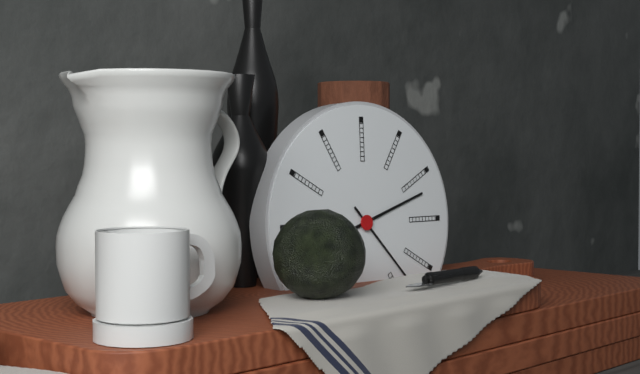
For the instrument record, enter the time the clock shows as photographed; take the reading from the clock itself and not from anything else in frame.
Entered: 2:23
